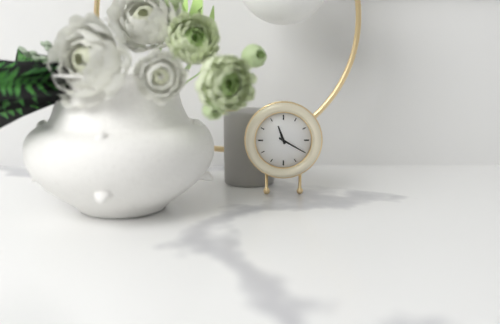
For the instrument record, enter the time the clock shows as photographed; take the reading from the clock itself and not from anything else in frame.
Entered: 11:20
